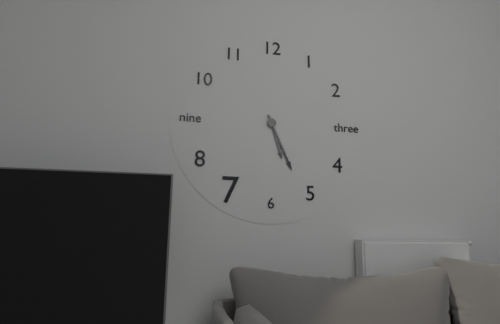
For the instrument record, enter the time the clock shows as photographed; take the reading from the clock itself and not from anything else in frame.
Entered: 5:26
